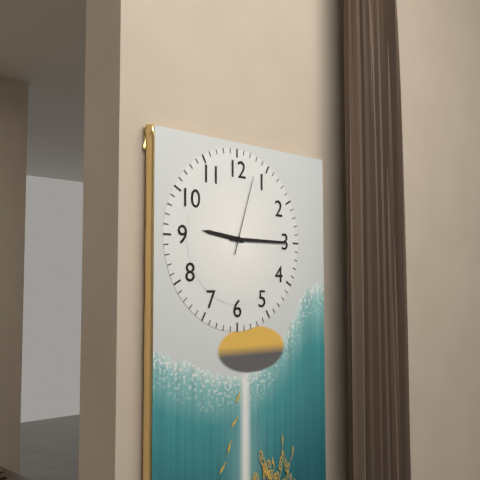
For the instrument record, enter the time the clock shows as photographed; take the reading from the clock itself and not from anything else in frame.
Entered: 9:15:03
